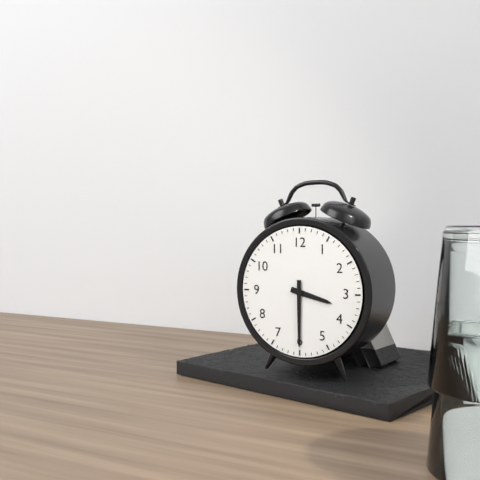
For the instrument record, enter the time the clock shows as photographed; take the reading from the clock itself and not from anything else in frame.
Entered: 3:30
